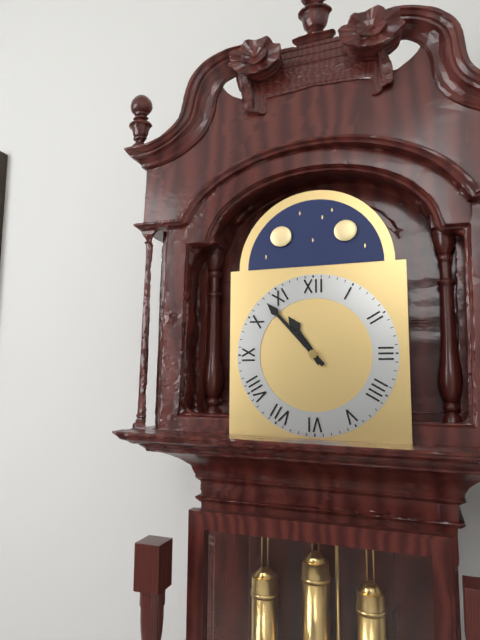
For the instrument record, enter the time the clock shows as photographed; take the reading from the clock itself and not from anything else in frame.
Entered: 10:53
